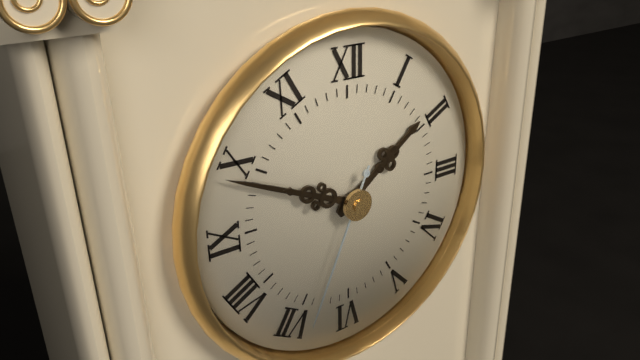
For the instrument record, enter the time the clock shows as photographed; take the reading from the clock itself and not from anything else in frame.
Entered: 1:49:34
